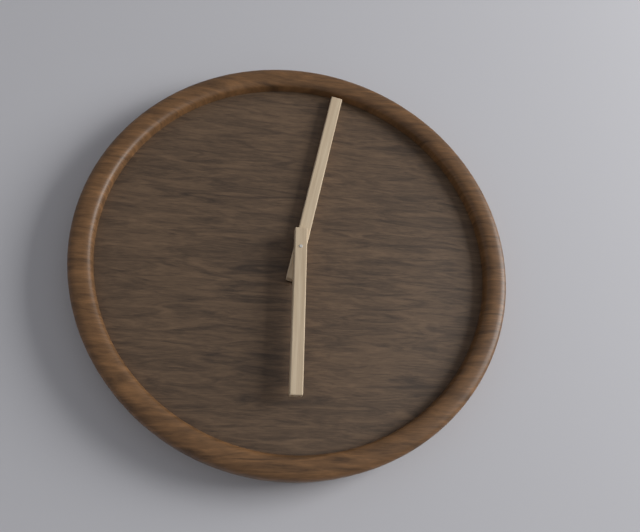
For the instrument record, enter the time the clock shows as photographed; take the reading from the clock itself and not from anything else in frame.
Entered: 6:02
